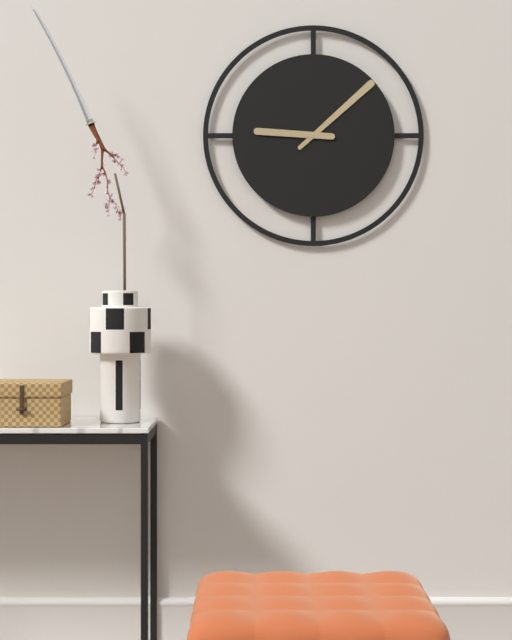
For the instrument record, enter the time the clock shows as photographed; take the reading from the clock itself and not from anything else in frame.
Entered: 9:08
